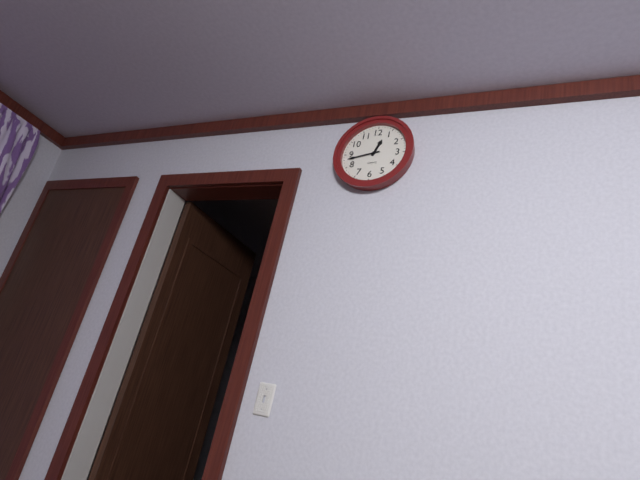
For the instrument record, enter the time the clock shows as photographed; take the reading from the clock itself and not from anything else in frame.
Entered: 12:43
